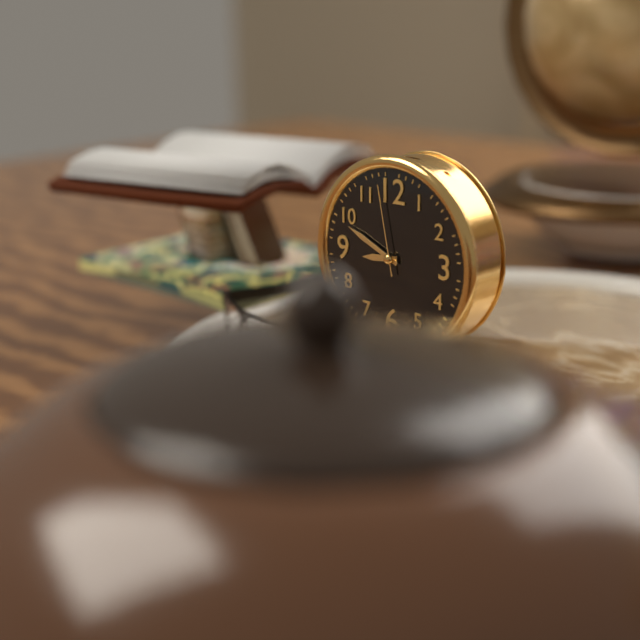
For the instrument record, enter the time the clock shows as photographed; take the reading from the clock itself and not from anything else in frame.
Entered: 8:49:58
